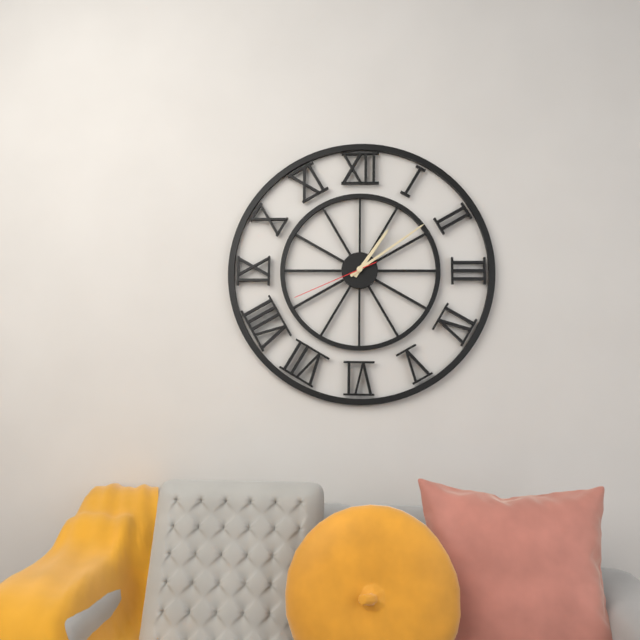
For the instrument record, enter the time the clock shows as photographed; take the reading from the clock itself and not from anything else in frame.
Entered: 1:09:41
